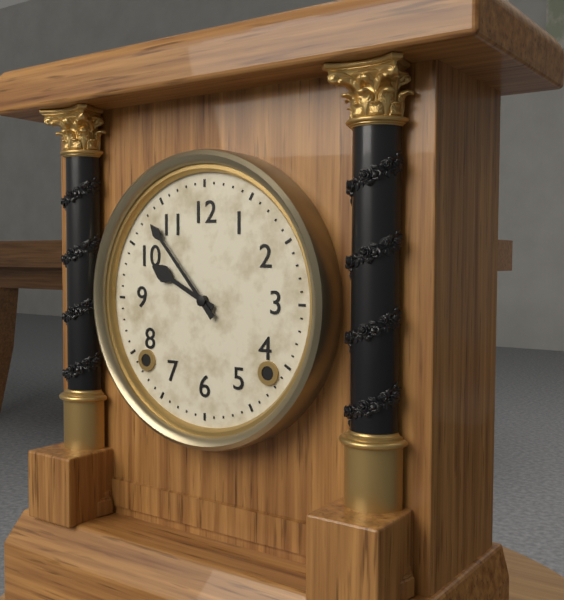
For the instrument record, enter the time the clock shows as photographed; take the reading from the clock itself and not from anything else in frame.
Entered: 9:53
